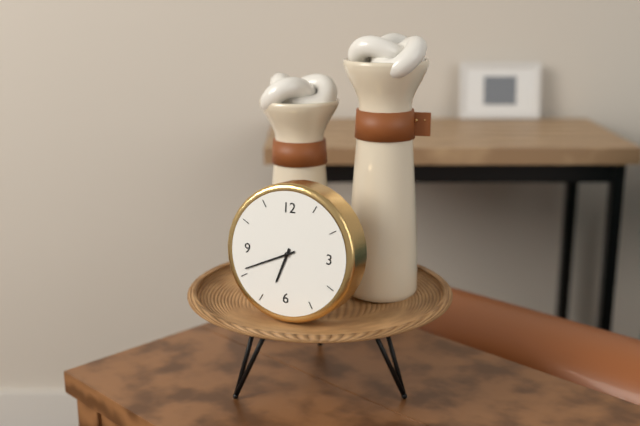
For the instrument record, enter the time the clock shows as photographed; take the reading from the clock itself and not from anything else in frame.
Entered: 6:41
